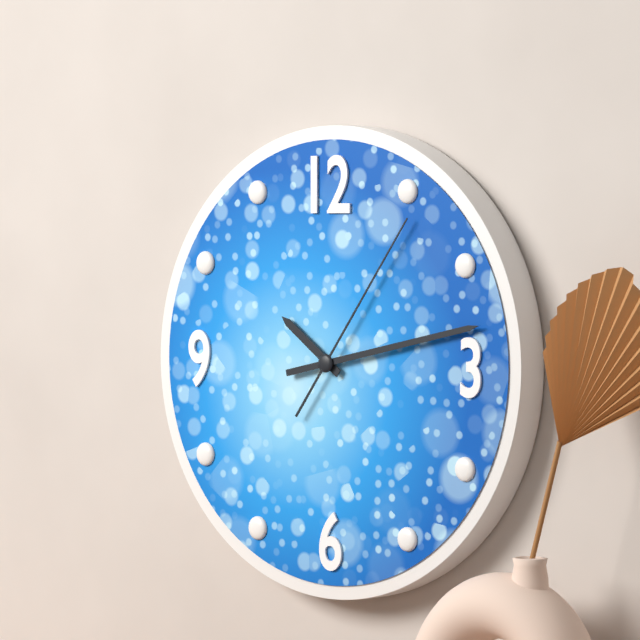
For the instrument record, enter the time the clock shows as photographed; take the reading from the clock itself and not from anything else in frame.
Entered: 10:13:06
